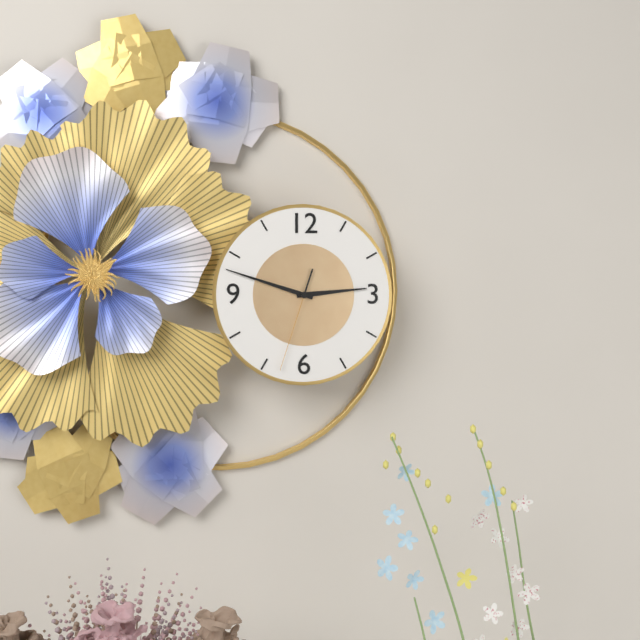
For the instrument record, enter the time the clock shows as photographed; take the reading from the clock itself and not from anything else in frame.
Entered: 2:48:33
